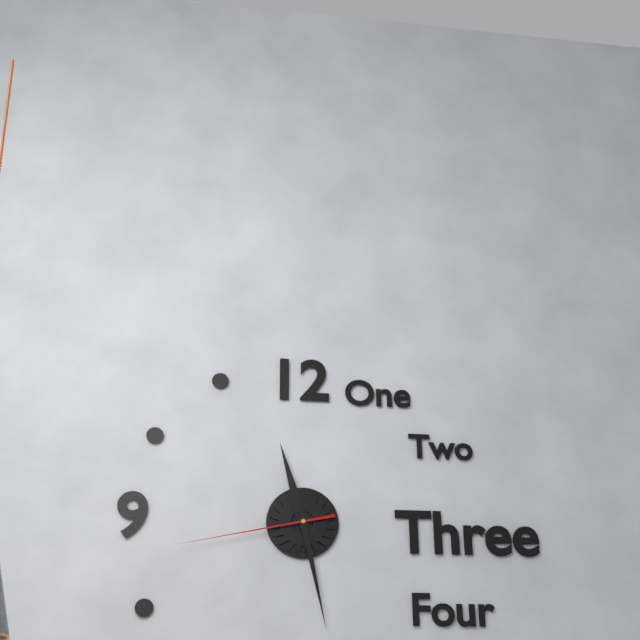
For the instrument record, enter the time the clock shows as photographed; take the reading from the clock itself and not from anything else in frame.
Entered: 11:28:43
